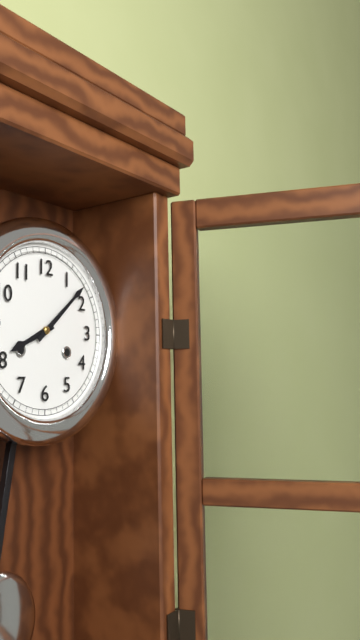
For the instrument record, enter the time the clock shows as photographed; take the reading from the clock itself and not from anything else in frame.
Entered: 8:08
